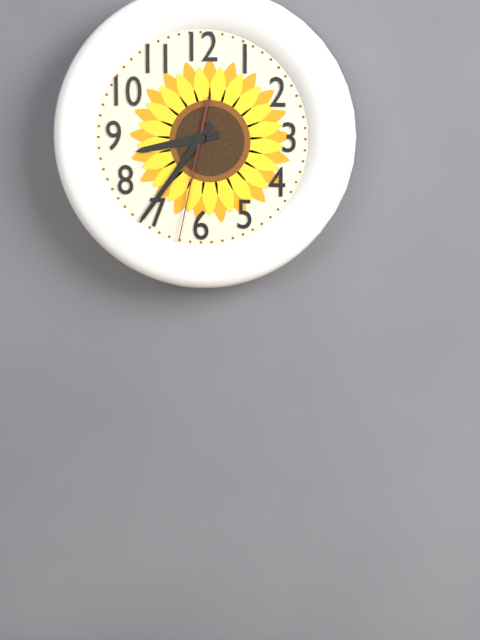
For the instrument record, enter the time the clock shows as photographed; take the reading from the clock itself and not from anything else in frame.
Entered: 8:36:32
